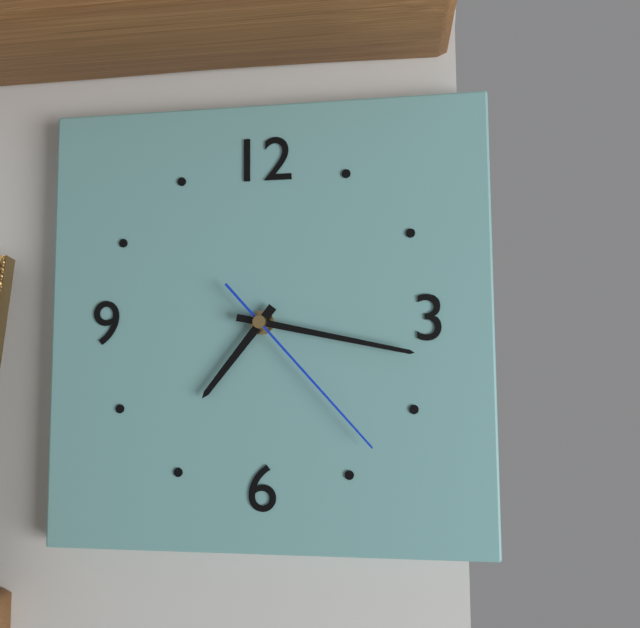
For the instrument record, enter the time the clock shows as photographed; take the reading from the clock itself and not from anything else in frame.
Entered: 7:17:23
